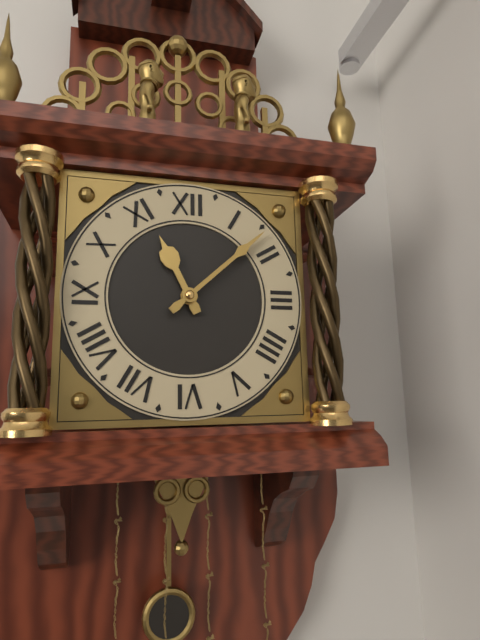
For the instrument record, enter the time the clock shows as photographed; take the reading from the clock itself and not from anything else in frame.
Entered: 11:08
